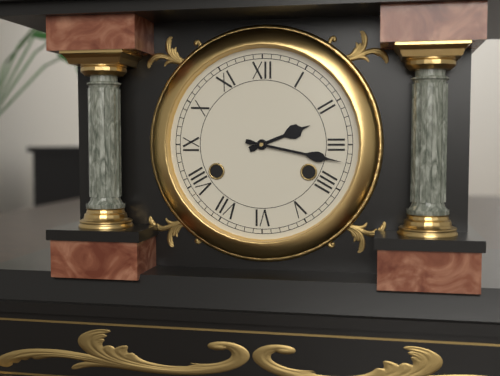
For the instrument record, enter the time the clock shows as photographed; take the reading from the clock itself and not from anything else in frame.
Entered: 2:17
